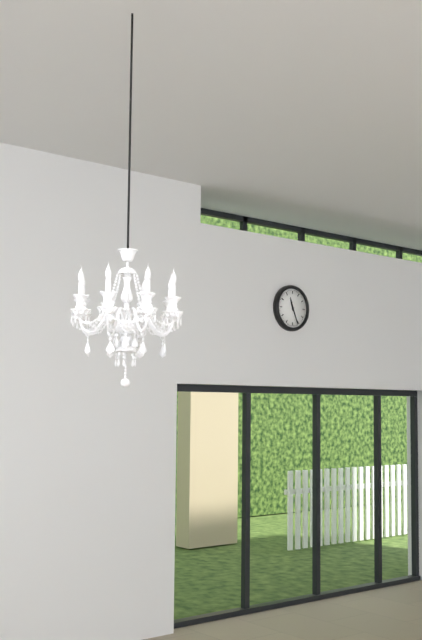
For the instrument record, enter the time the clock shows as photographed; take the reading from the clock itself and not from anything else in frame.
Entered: 11:26
